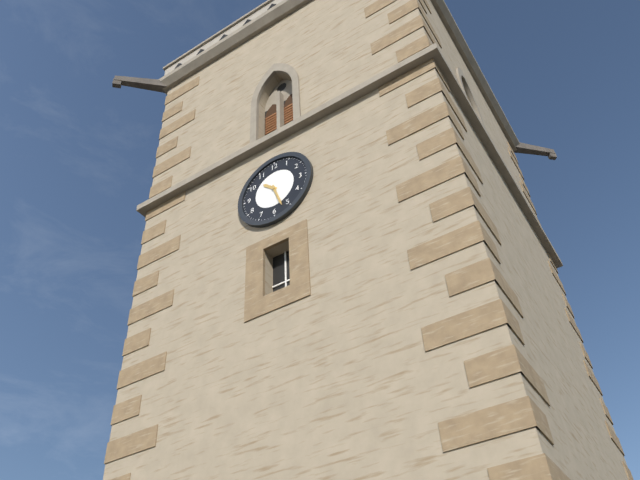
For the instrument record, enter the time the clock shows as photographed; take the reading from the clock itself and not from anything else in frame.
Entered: 10:27
